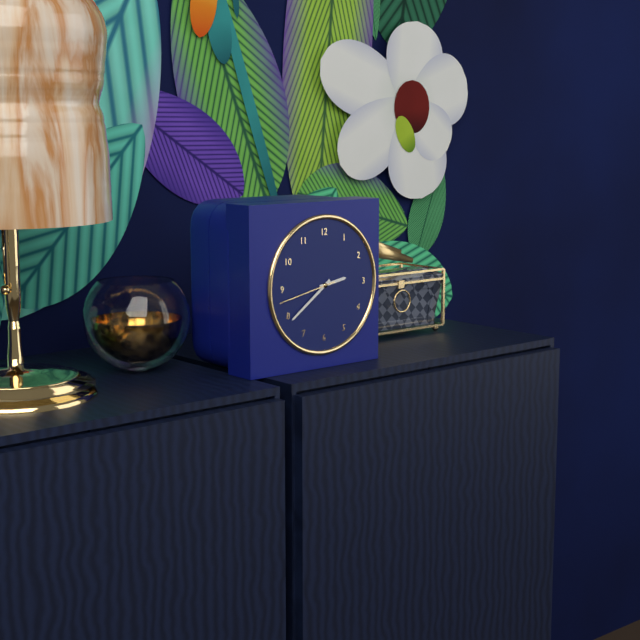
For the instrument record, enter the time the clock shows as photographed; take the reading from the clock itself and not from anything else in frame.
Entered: 2:39:43
